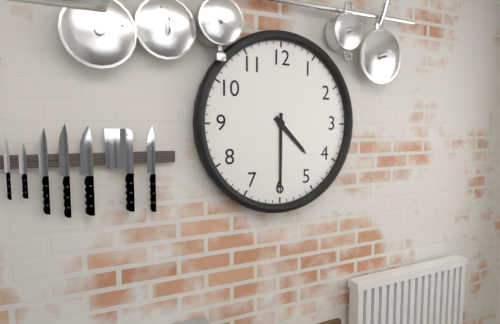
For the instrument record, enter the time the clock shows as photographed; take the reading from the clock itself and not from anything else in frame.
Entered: 4:30
